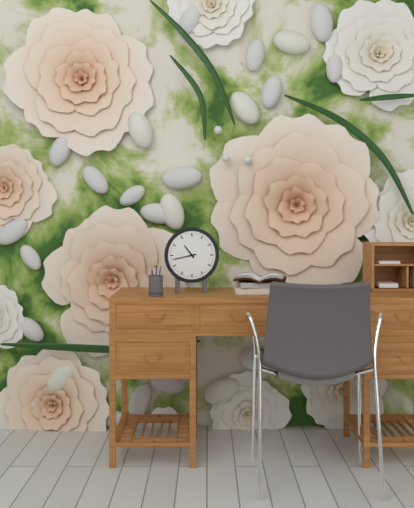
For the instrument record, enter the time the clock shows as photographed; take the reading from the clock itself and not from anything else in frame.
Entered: 10:43
